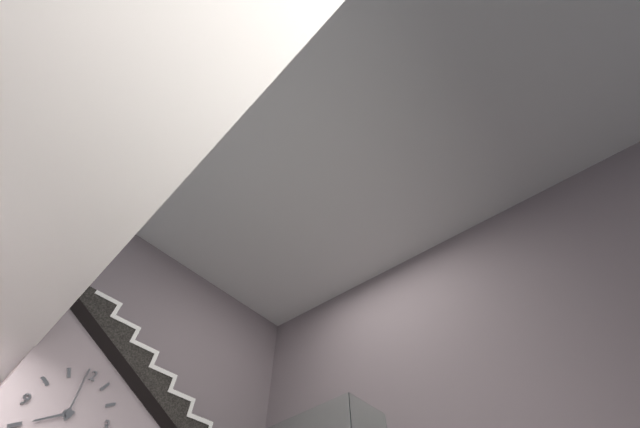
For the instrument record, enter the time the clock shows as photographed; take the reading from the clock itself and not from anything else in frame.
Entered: 7:59
